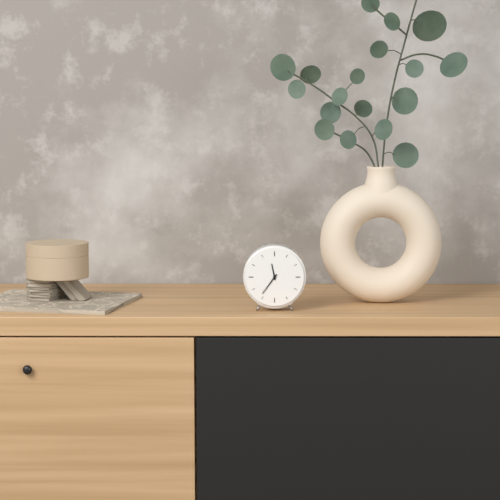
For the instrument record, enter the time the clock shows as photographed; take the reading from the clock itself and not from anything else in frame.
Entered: 11:36
